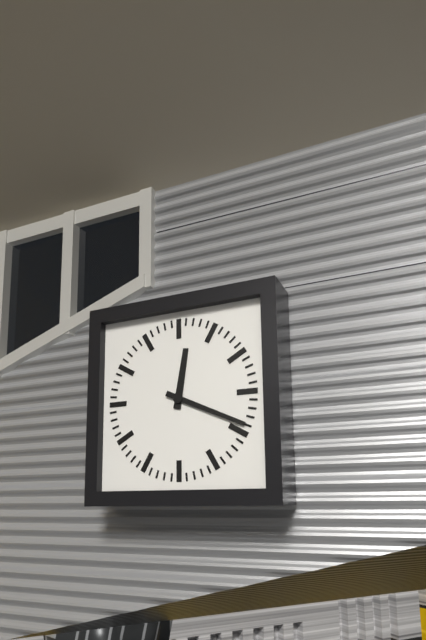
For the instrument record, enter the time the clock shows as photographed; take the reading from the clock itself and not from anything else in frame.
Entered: 12:19
